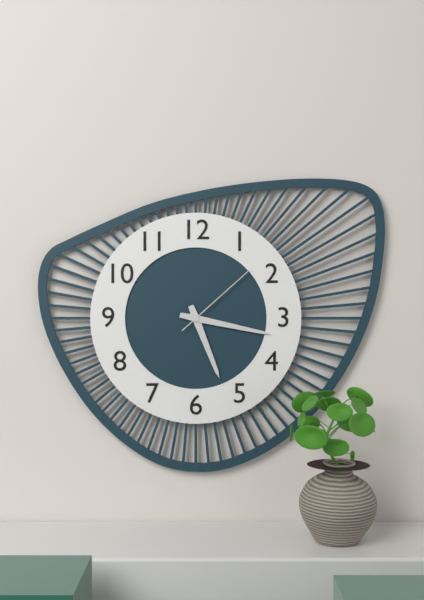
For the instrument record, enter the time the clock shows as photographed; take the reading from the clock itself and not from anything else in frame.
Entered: 5:17:08
